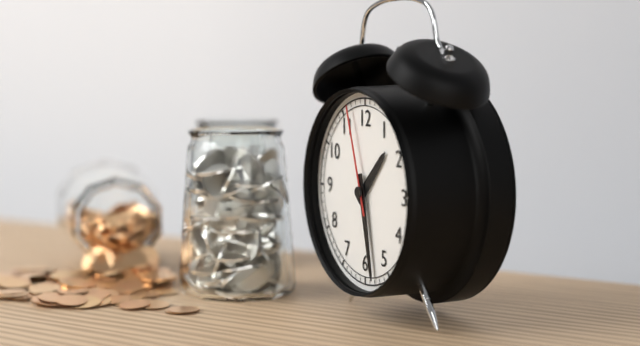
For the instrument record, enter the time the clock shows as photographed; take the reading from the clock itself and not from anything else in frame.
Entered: 1:28:57
